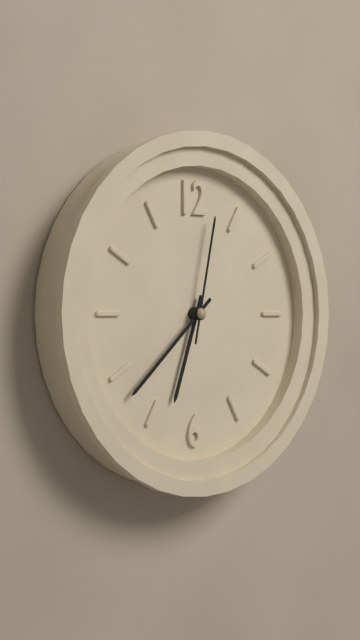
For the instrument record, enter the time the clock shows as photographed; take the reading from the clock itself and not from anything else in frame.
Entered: 6:38:02
